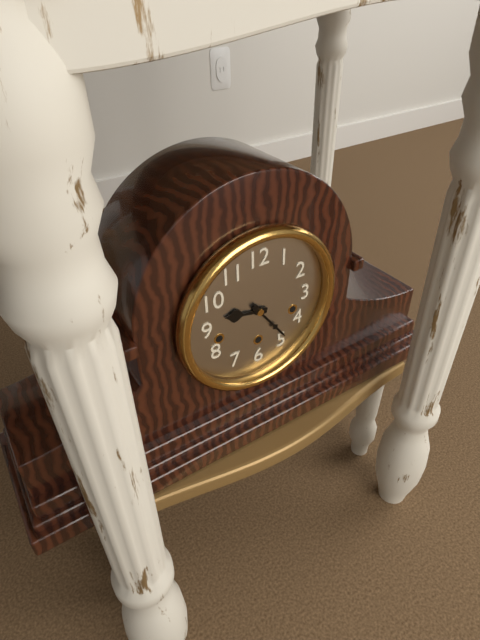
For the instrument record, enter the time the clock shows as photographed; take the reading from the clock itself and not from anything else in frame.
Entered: 9:24
